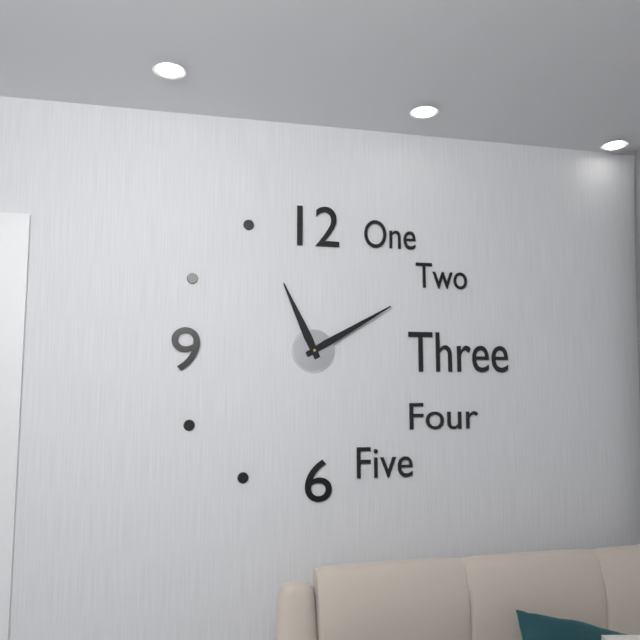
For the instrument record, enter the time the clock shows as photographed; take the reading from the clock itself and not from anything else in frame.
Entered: 11:10
